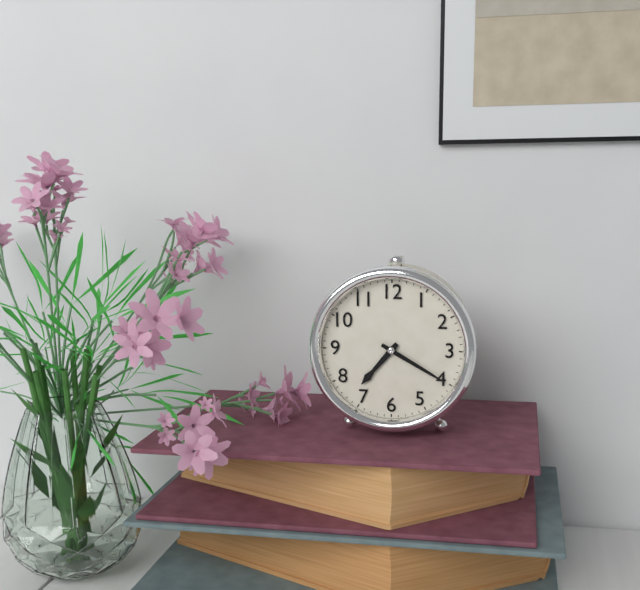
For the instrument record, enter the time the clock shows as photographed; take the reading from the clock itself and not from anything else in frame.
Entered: 7:20
